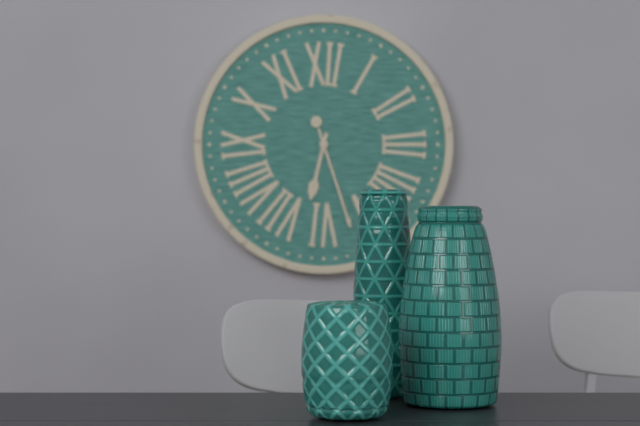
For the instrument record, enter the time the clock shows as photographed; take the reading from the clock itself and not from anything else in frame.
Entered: 6:27
